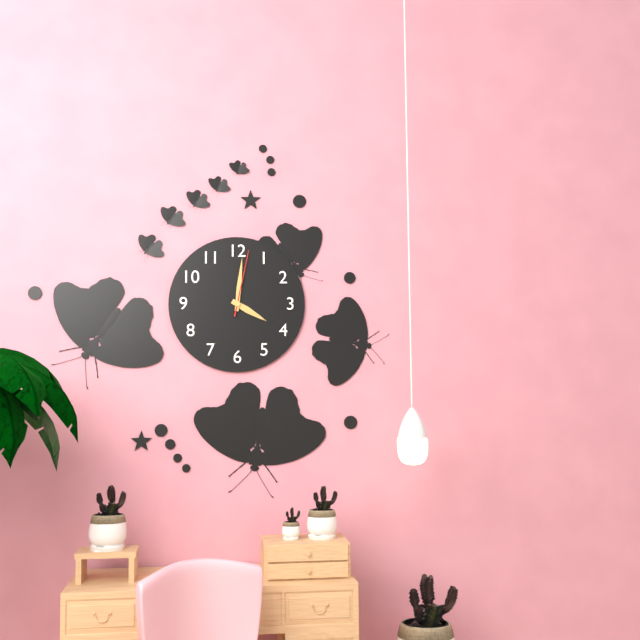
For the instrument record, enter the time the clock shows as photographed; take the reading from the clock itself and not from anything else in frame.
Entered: 4:01:02
